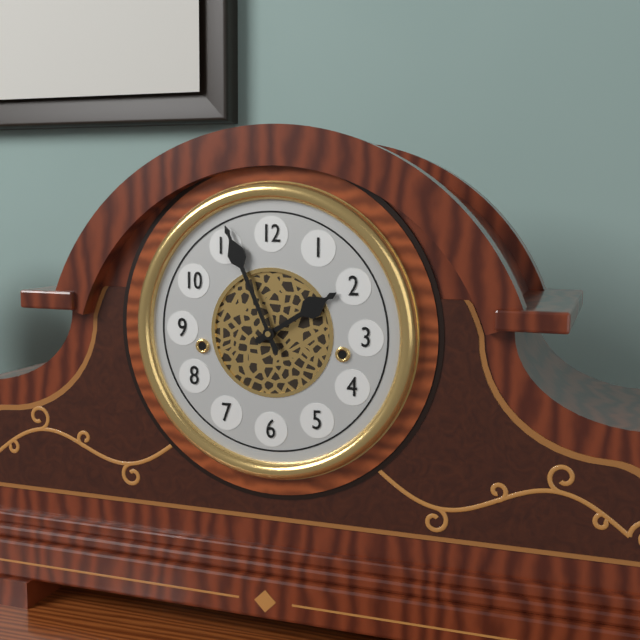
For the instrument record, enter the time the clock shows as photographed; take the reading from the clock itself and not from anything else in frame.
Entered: 1:56
